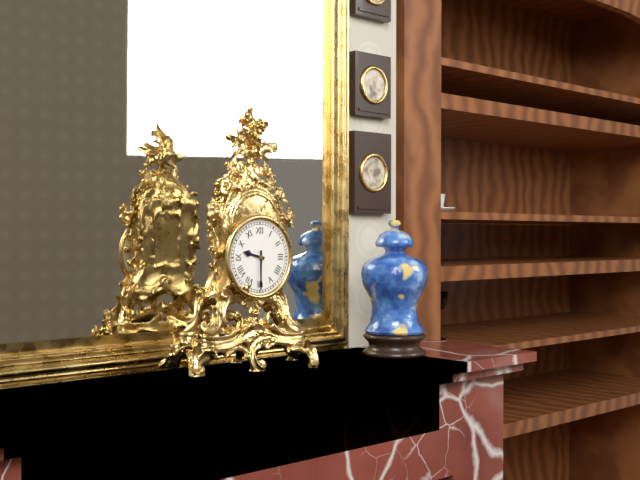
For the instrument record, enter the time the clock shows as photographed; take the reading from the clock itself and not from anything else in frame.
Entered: 9:30
